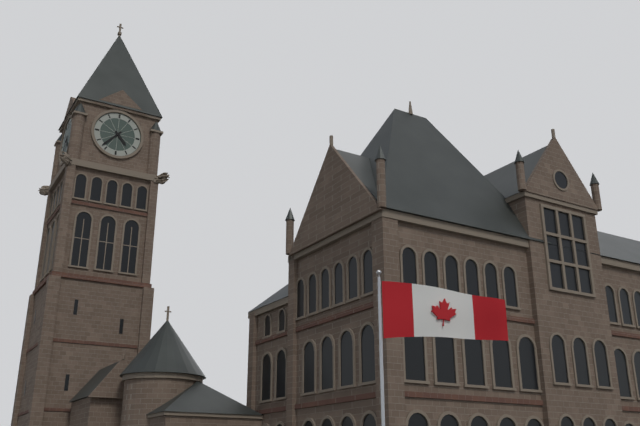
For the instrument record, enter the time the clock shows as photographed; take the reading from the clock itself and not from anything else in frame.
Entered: 4:37
